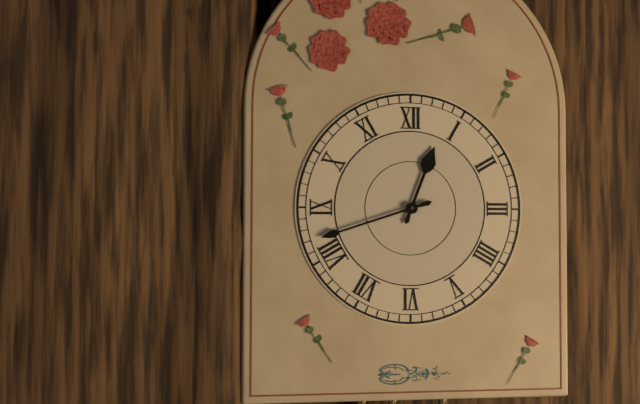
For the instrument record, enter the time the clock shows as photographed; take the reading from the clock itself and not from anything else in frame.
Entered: 12:42
